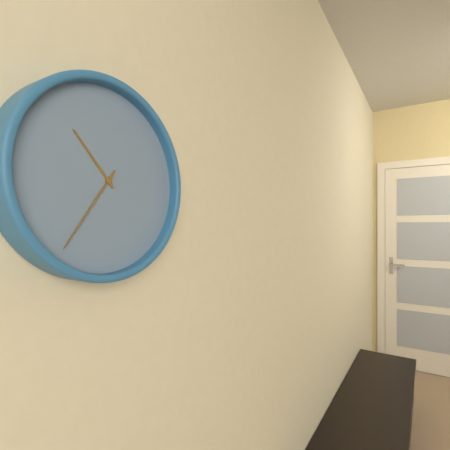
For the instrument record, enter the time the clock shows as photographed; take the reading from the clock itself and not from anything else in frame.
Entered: 10:36
